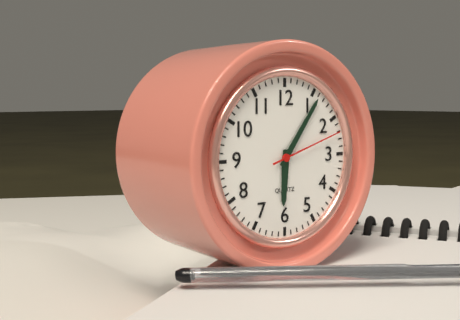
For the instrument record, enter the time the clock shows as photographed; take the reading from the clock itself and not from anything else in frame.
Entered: 6:06:12
